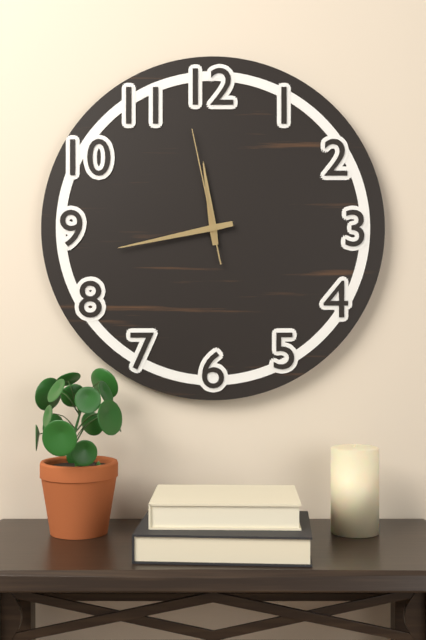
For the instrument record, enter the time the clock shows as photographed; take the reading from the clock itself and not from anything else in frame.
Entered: 11:43:58
